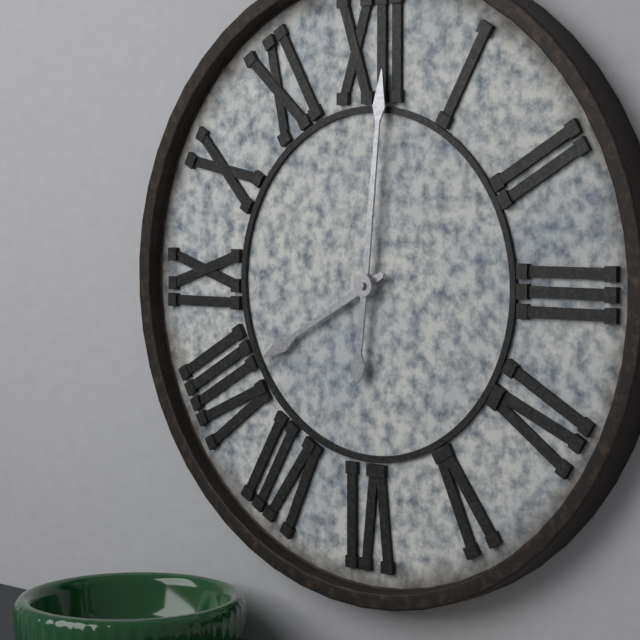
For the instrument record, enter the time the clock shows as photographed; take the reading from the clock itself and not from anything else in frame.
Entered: 8:01
